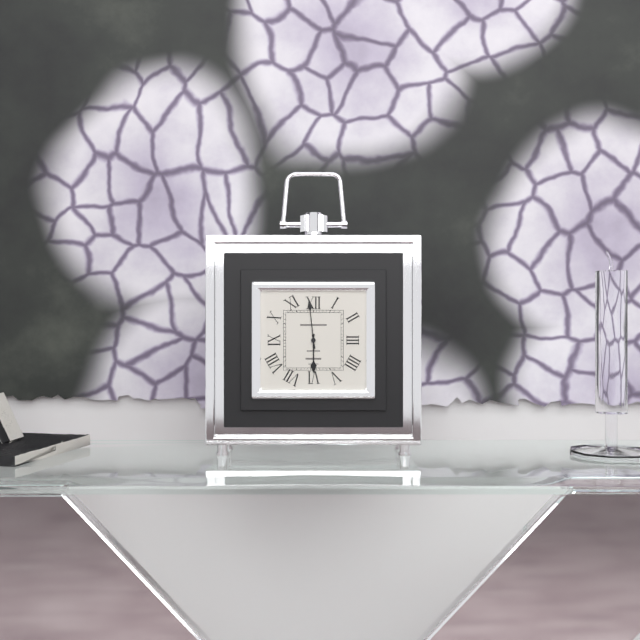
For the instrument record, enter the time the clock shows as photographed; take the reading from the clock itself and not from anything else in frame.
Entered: 5:59
